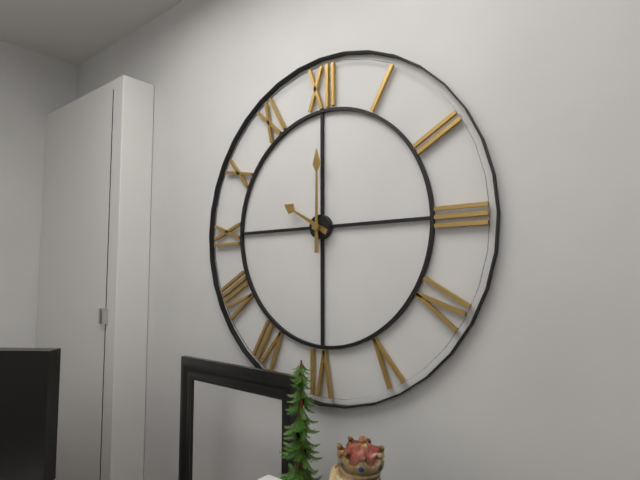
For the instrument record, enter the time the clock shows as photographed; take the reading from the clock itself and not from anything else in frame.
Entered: 10:00
